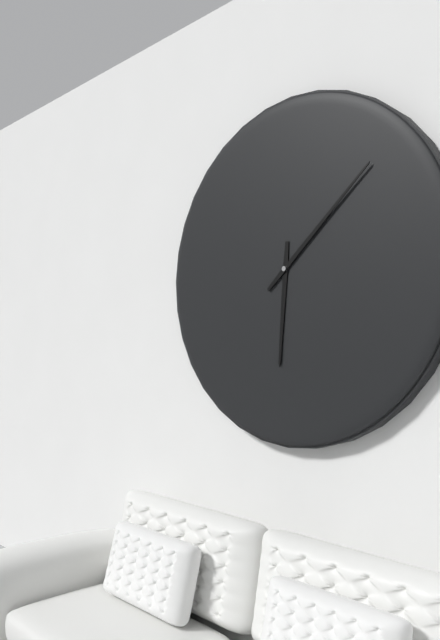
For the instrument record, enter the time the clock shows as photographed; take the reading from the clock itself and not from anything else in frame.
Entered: 6:08
